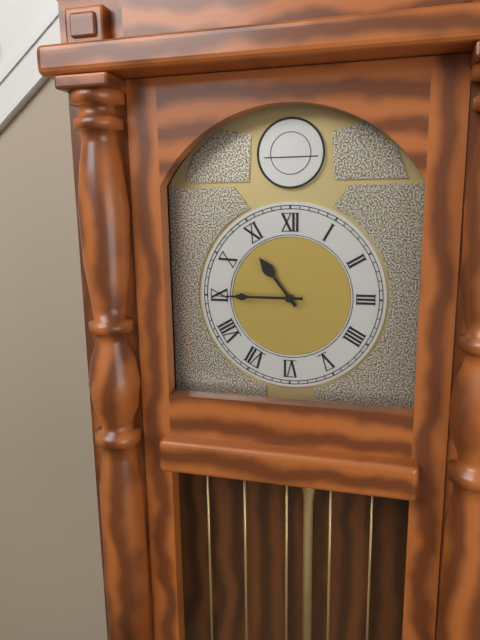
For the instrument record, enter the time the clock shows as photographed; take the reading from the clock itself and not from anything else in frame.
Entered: 10:45
